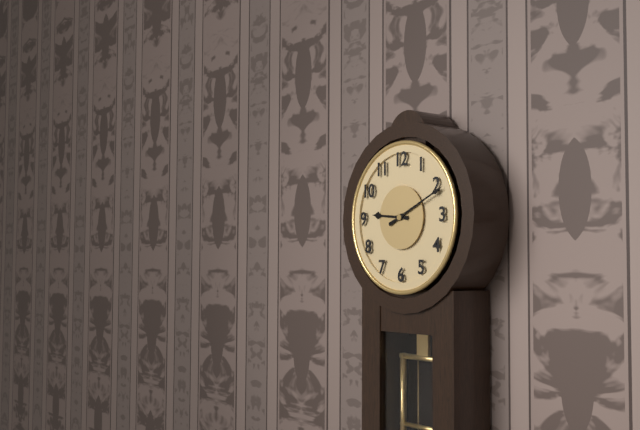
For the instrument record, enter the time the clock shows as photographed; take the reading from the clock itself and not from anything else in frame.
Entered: 9:11
